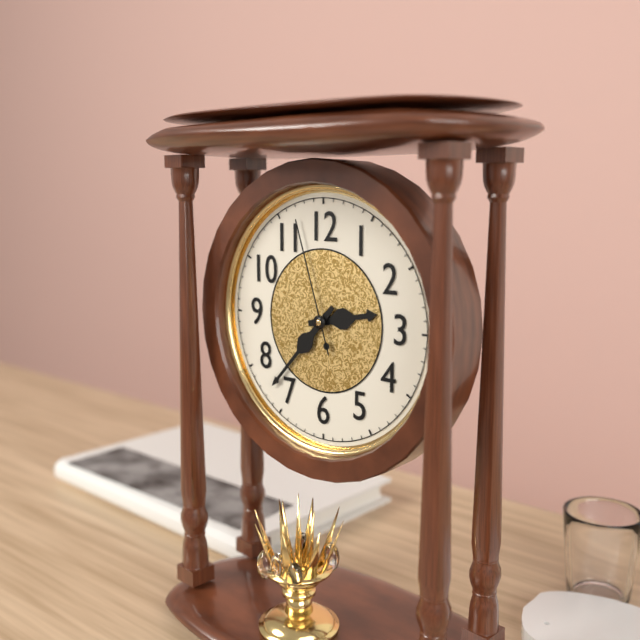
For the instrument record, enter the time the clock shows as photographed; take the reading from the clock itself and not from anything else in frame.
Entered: 2:37:57
